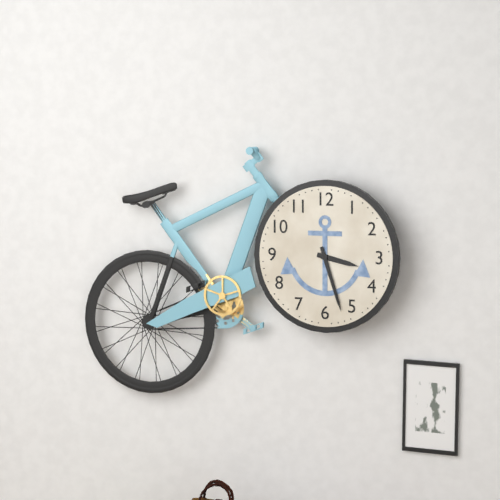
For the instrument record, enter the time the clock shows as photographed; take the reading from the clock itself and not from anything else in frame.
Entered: 3:27
